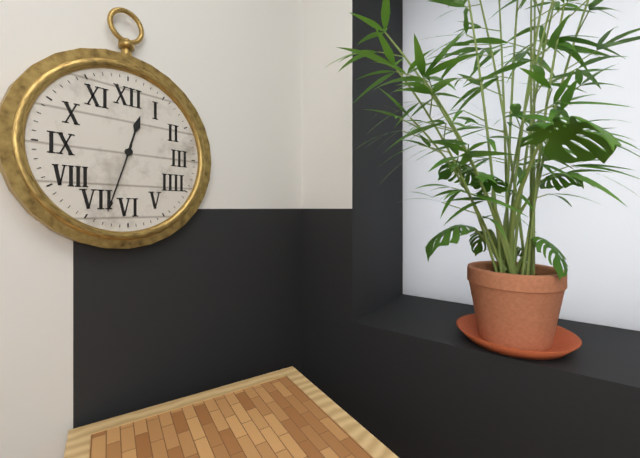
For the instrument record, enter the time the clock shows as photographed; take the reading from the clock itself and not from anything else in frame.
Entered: 12:33
